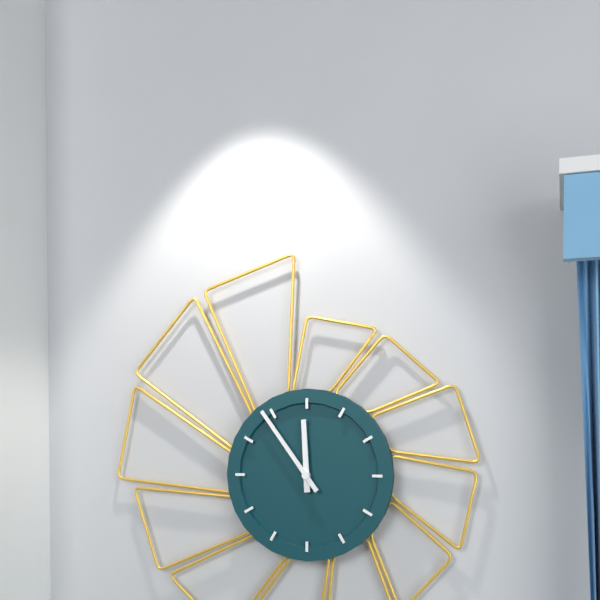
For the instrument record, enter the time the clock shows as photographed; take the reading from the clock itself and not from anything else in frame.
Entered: 11:54
